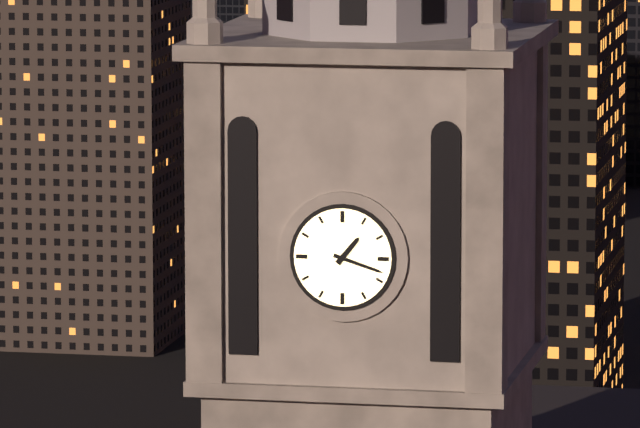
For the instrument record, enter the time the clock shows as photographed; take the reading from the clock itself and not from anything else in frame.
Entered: 1:18
